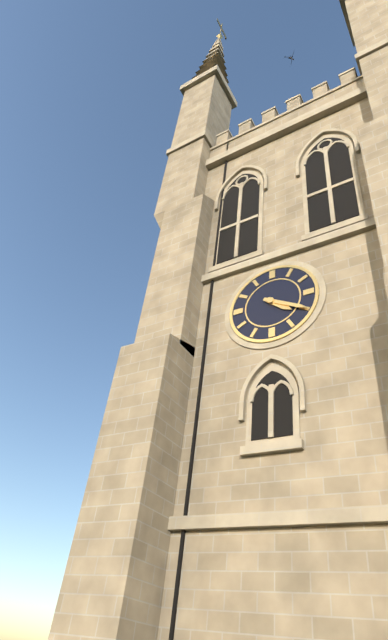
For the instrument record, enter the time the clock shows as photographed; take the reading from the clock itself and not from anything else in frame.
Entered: 4:20
